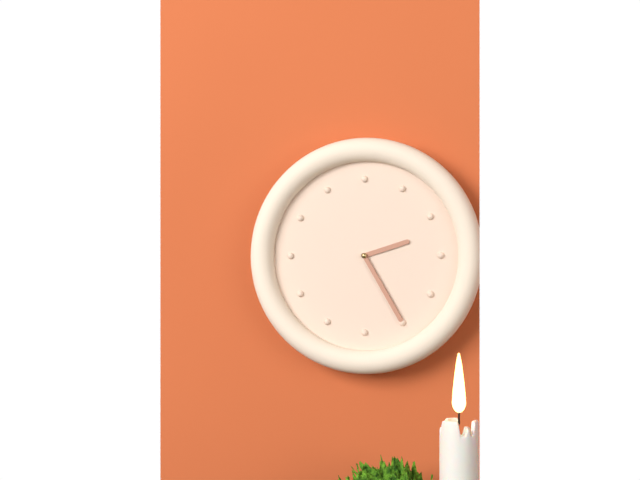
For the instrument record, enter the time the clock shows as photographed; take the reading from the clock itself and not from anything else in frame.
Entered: 2:25
